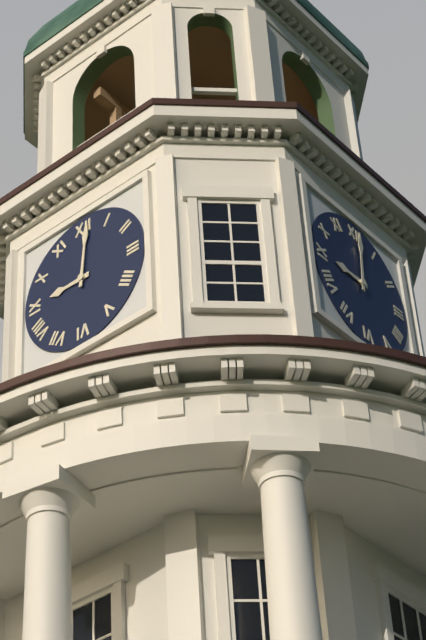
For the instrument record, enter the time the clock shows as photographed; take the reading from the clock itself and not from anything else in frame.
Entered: 9:01
